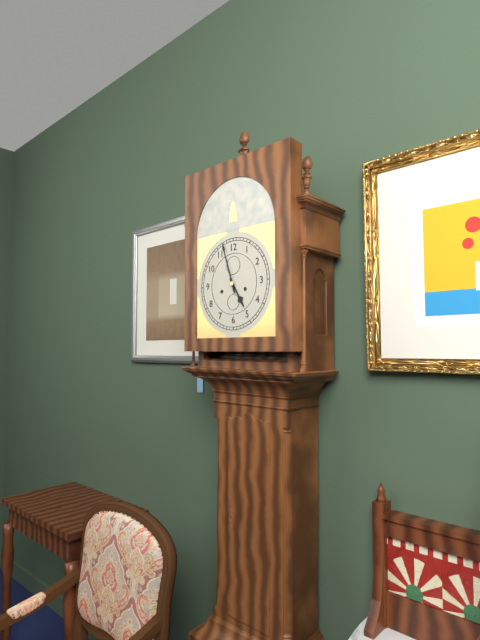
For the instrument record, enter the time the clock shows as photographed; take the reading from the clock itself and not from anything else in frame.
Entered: 4:57
